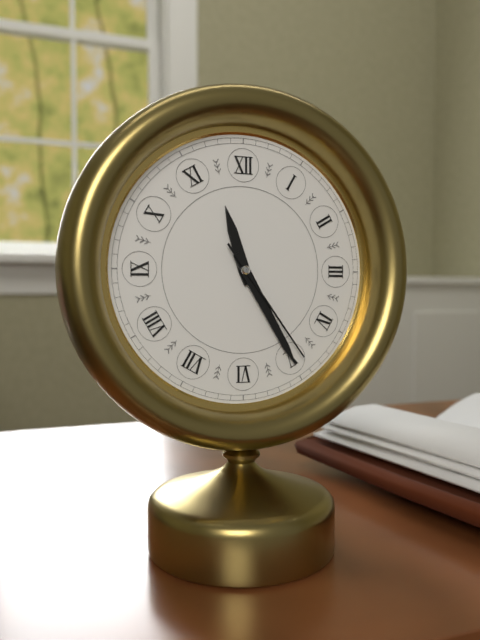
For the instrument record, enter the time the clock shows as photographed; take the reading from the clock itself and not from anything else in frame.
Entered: 11:25:24
